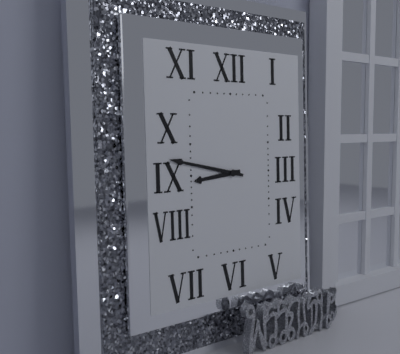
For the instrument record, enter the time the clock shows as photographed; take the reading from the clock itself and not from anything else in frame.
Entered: 8:47
